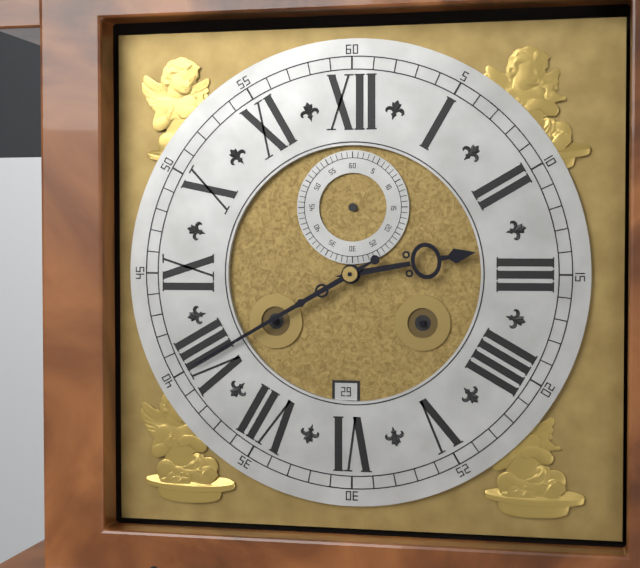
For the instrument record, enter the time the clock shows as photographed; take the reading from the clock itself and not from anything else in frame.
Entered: 2:40
